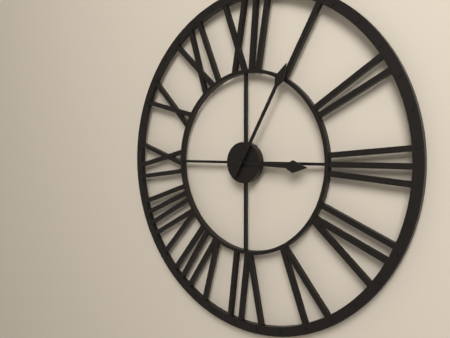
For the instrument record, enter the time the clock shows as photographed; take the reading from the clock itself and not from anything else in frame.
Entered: 3:05
